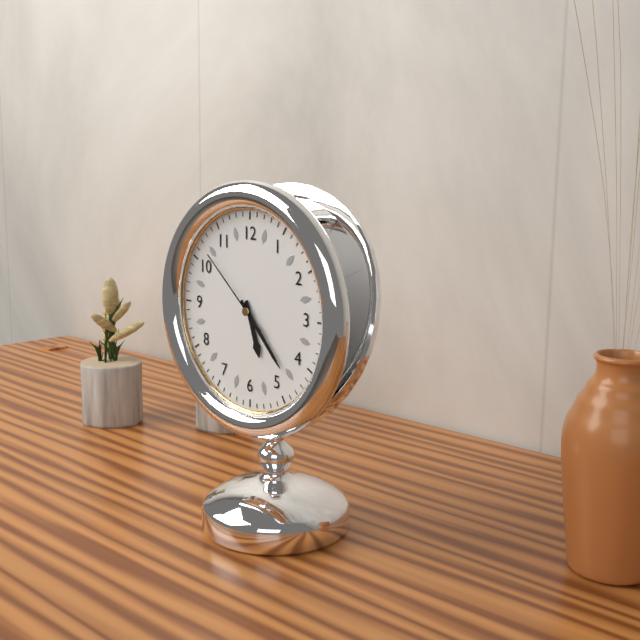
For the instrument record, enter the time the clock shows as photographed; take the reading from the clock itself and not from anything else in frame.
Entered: 5:23:52
